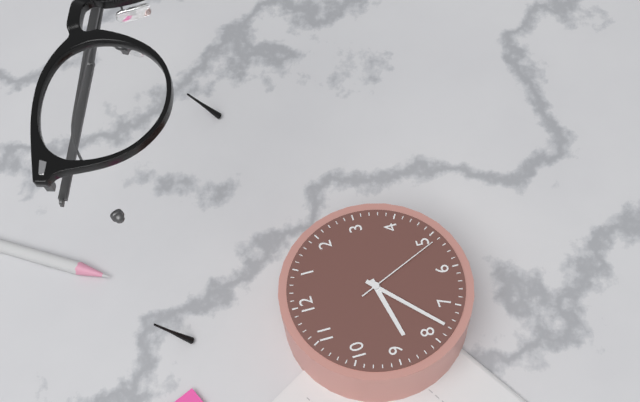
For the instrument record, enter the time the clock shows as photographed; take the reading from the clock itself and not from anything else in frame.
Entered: 8:38:26
